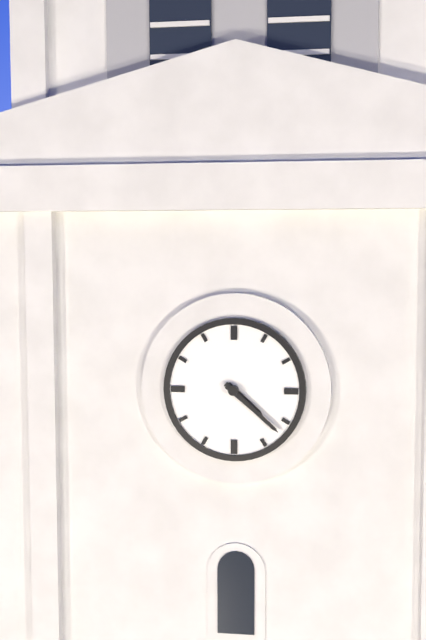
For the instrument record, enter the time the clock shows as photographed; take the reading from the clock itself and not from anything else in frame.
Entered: 4:22
